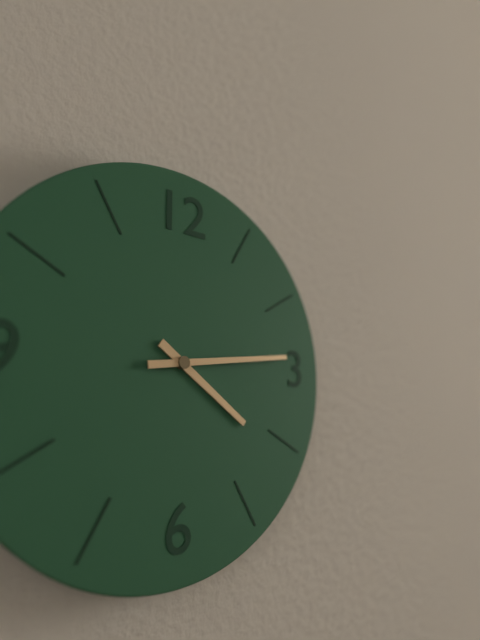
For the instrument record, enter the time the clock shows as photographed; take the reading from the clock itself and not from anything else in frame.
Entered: 4:14
